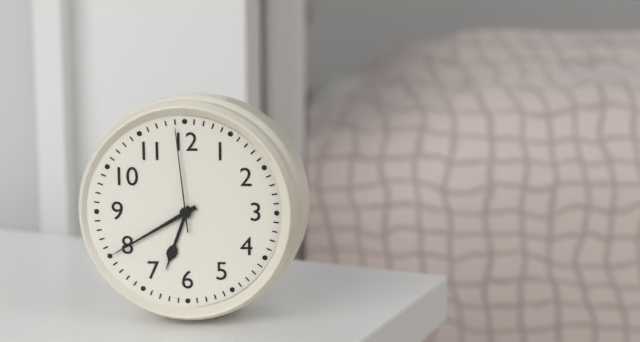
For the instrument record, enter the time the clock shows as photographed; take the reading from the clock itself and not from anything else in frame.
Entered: 6:40:59
